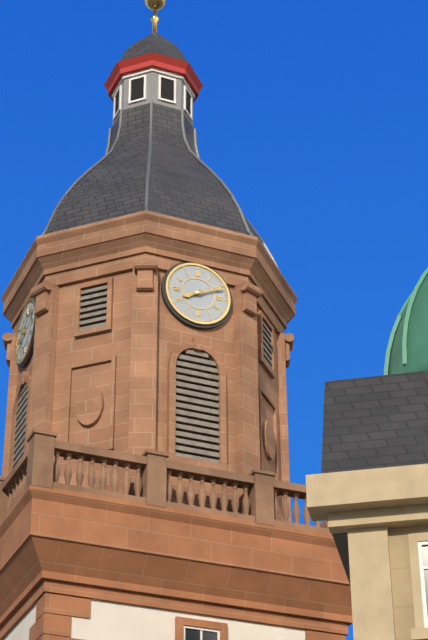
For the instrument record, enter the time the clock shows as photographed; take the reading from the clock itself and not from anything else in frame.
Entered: 8:11
